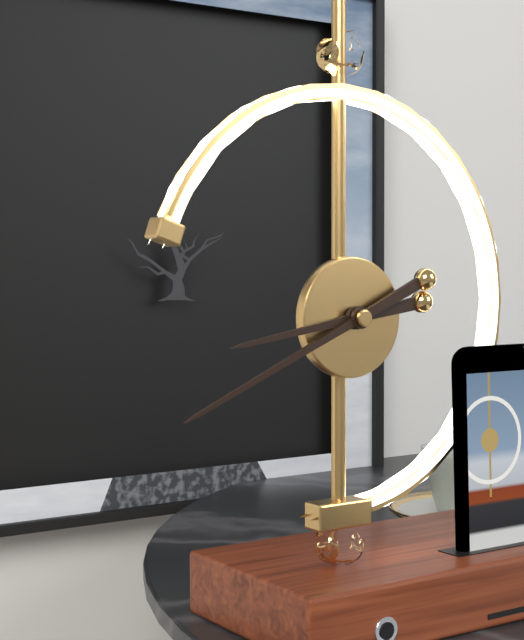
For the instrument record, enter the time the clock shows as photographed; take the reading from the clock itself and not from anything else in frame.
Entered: 8:41
